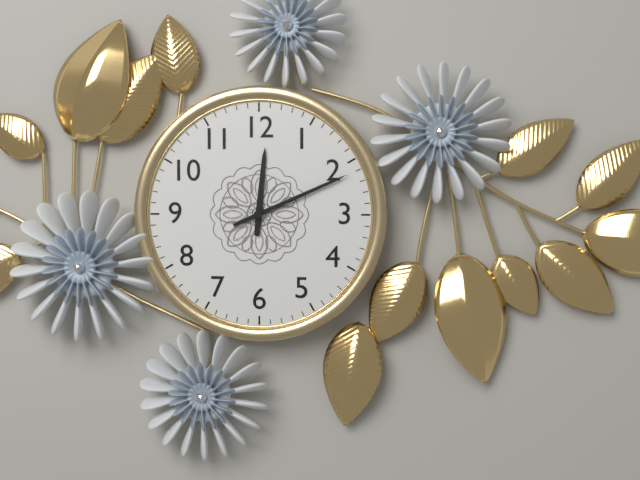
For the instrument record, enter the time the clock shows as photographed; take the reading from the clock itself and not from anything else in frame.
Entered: 12:11
